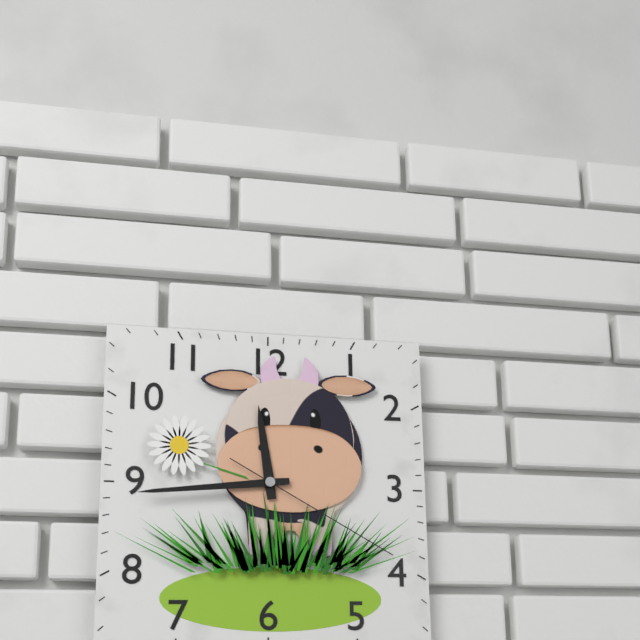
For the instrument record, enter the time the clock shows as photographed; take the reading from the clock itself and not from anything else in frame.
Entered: 11:44:20
